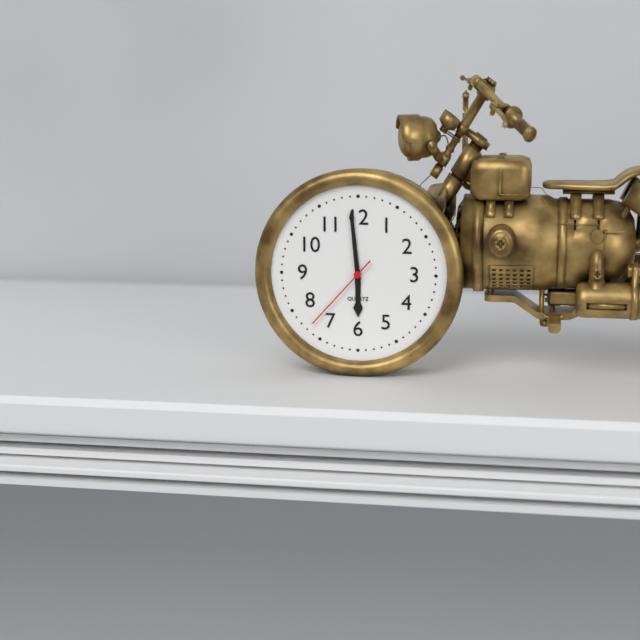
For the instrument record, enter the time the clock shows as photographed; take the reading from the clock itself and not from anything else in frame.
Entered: 5:59:37
